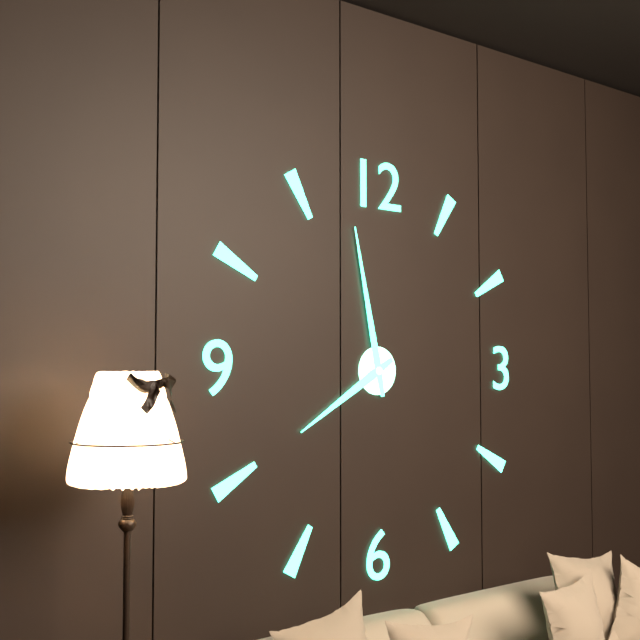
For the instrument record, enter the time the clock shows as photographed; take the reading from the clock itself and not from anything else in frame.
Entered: 7:58
